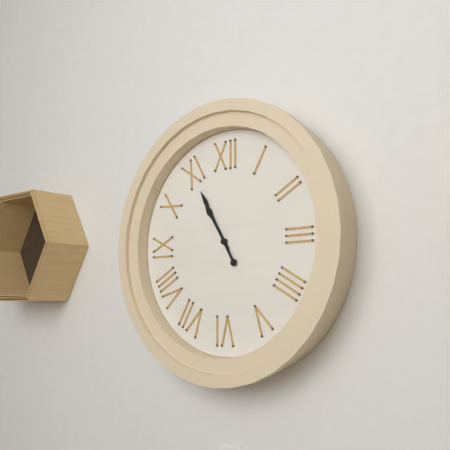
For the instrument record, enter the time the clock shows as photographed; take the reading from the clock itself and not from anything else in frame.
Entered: 10:55
